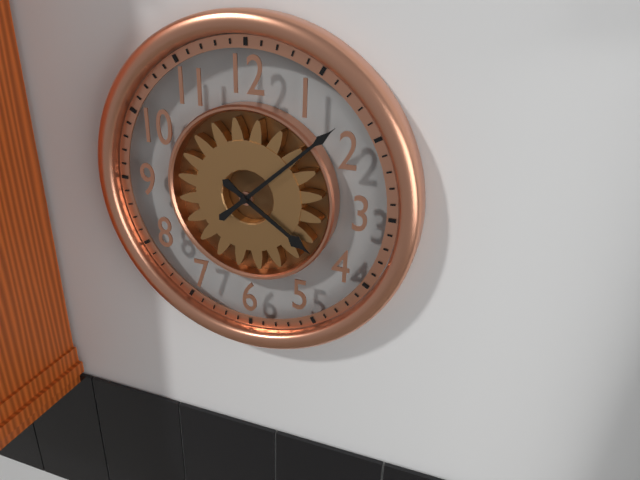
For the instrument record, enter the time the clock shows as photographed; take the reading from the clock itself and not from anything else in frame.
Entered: 4:08
